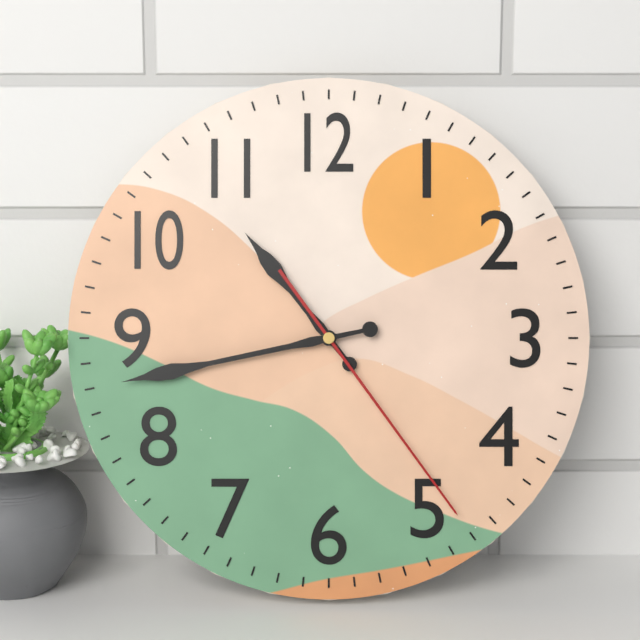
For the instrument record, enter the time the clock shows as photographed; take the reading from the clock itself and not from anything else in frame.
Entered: 10:43:24
